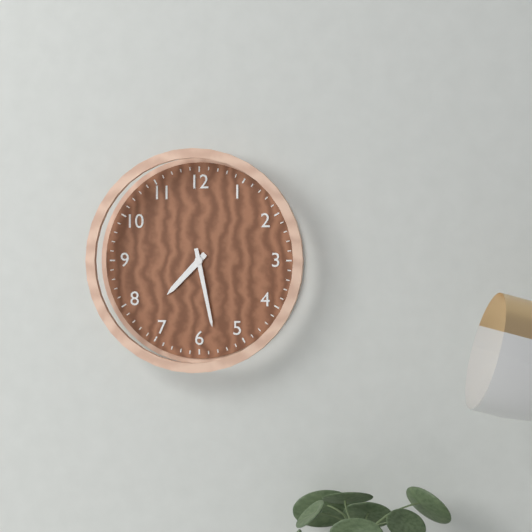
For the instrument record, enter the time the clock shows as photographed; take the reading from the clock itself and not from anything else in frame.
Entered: 7:28
